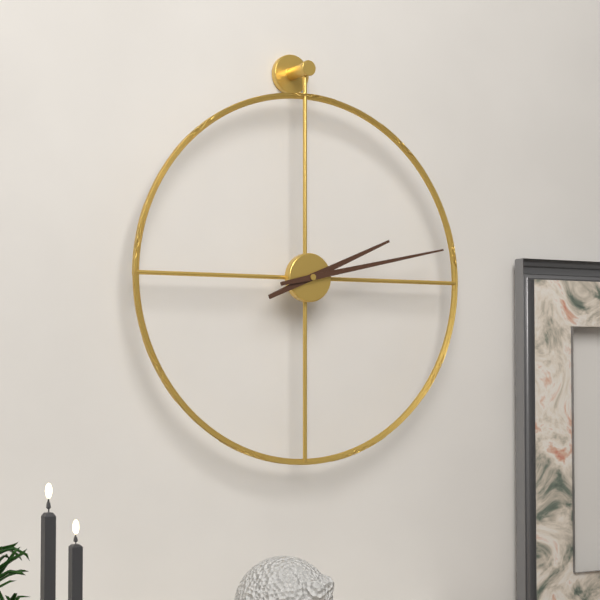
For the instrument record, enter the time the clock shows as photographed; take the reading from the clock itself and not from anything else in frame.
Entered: 2:13
